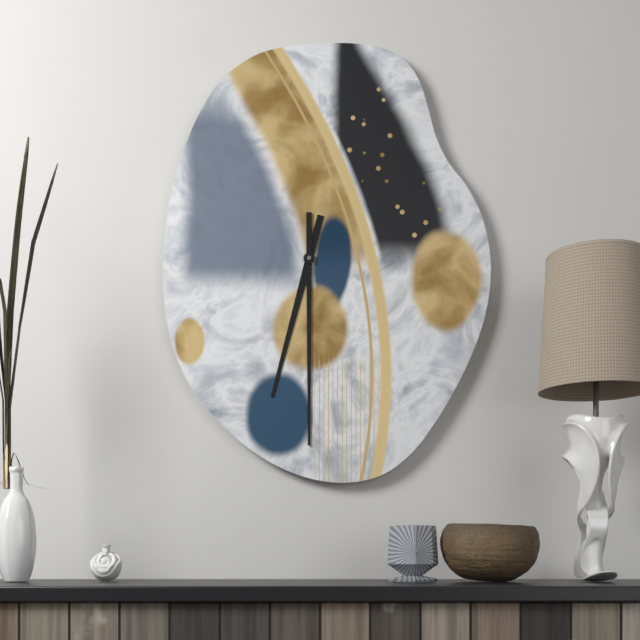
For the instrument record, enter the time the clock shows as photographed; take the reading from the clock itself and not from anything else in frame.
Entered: 6:30
